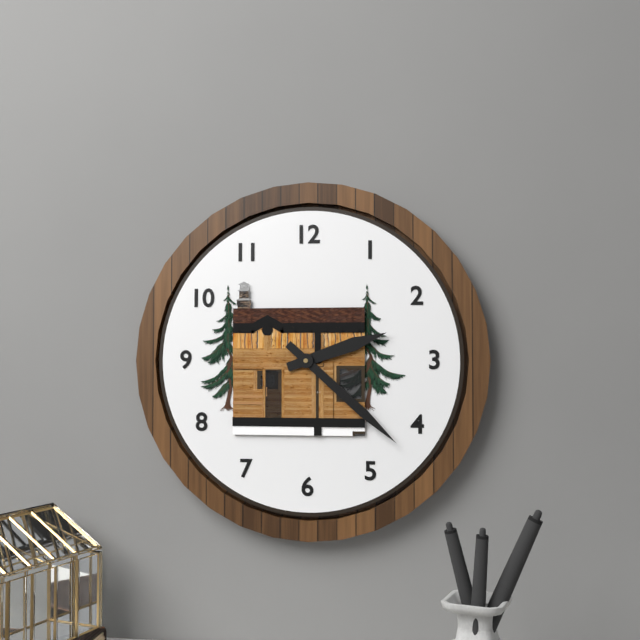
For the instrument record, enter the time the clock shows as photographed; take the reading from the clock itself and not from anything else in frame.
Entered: 2:22
